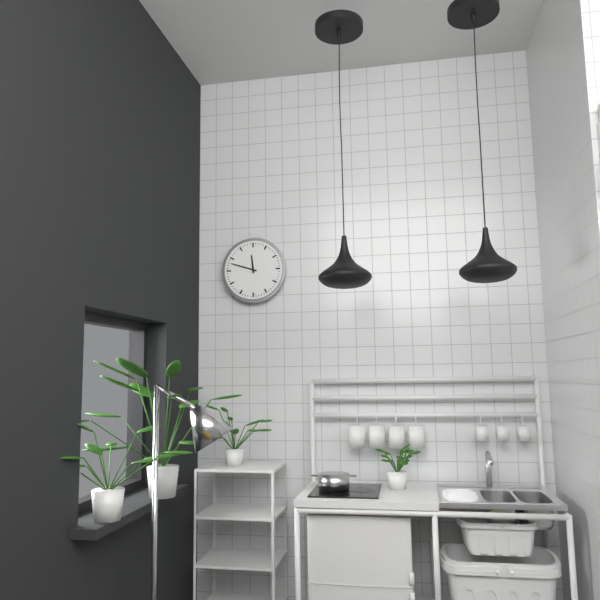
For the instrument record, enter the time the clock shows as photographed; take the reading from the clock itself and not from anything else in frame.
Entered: 11:48
